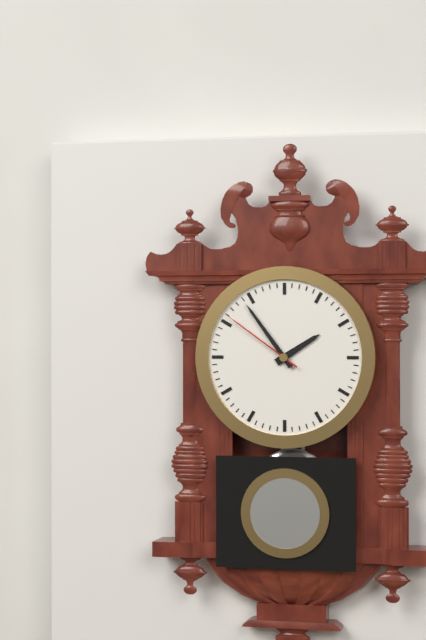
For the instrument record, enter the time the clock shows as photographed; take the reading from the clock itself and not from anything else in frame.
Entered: 1:54:51
